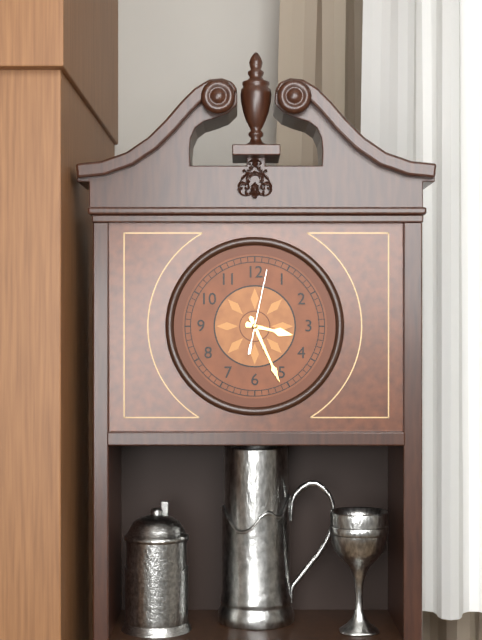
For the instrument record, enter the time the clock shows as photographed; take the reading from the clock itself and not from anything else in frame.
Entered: 3:26:02
